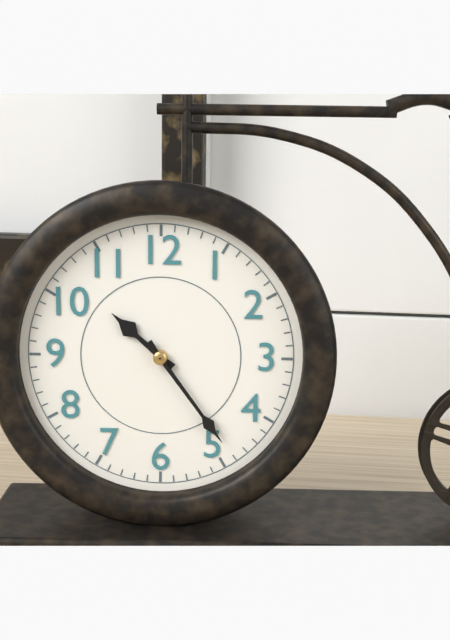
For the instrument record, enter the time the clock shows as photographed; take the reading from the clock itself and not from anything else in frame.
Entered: 10:24
